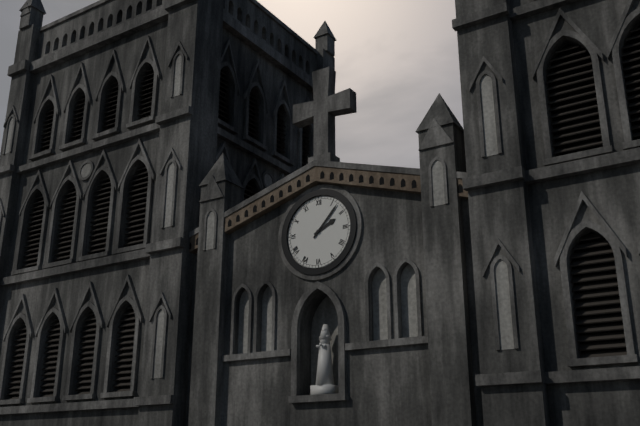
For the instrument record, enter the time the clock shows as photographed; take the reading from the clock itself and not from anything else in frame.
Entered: 2:07
